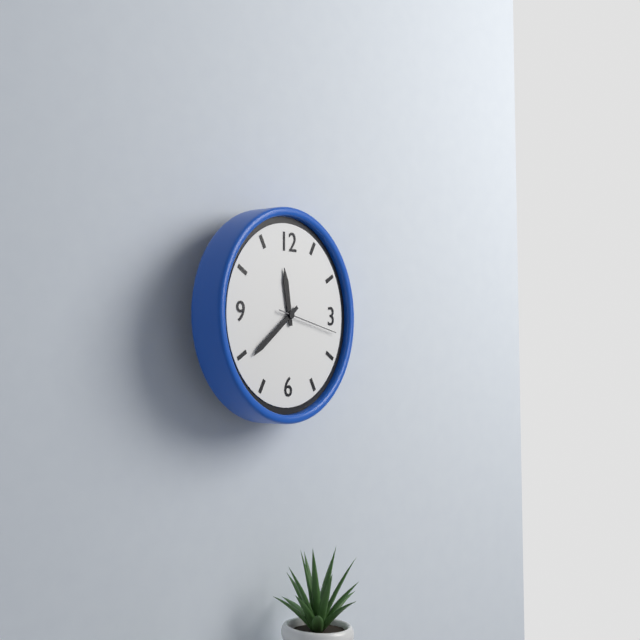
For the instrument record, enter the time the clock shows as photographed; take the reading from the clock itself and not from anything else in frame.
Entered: 11:39:17
